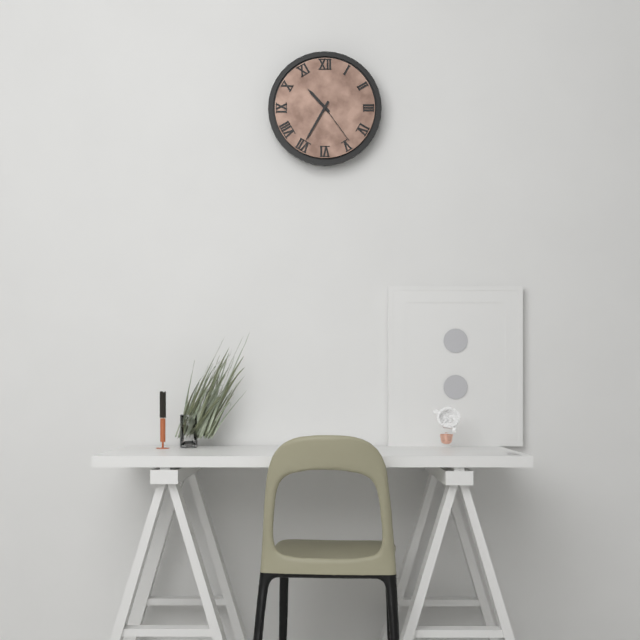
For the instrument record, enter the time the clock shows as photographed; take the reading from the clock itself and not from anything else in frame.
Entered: 10:35:24
